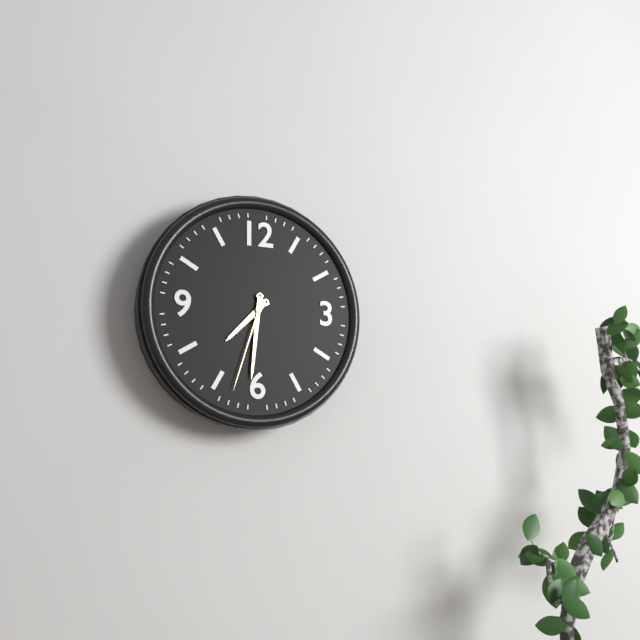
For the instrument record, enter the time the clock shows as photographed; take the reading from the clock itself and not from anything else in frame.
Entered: 7:31:33
